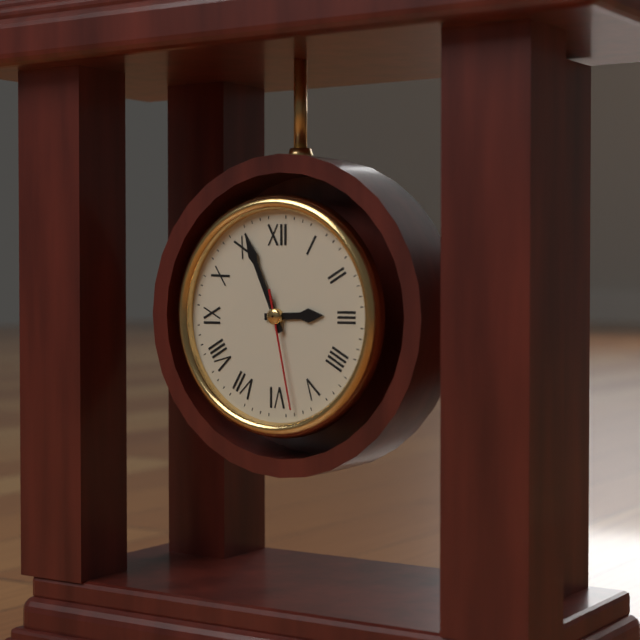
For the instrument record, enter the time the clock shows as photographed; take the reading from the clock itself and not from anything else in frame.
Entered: 2:56:28
